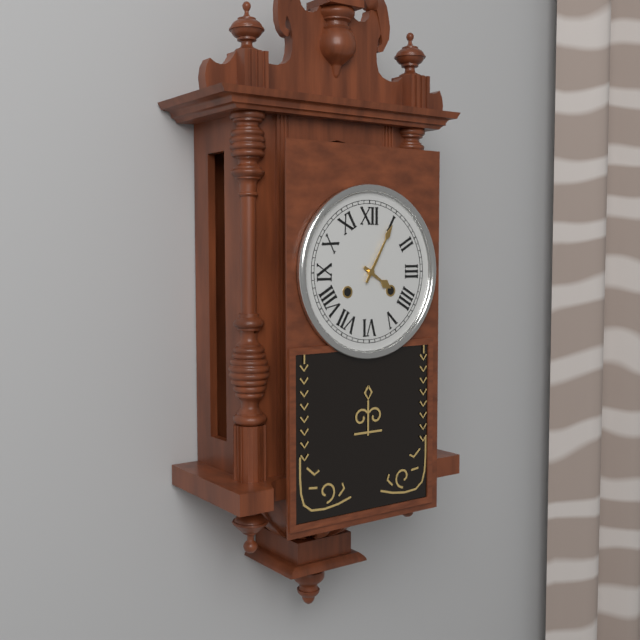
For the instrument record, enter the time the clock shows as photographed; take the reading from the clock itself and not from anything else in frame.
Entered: 4:05
